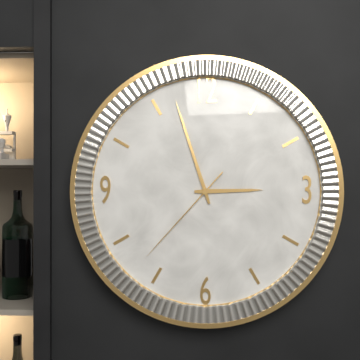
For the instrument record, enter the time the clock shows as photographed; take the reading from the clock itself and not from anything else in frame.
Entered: 2:57:37
